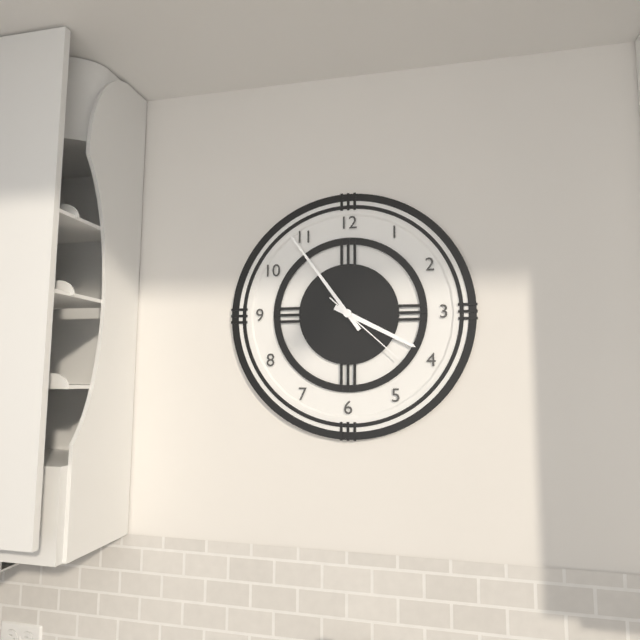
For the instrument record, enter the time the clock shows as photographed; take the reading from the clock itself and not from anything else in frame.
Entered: 3:54:22
